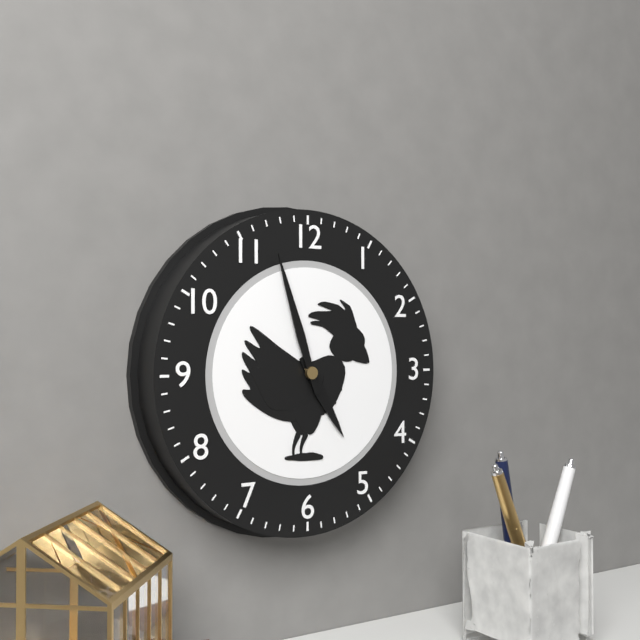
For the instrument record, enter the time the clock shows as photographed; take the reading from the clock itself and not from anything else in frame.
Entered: 4:57
